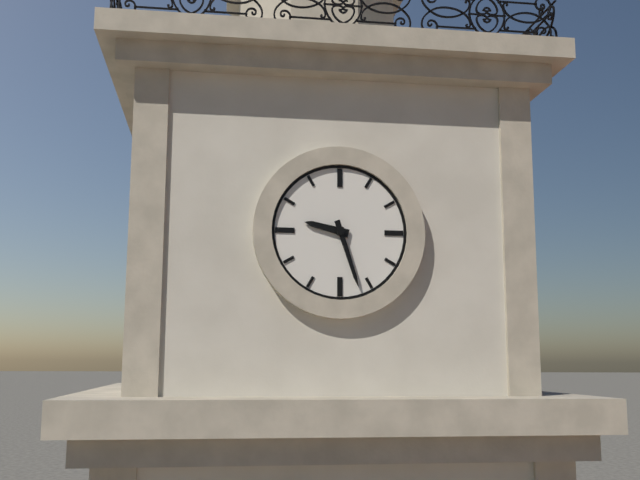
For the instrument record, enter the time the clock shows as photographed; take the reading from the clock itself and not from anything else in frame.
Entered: 9:27
